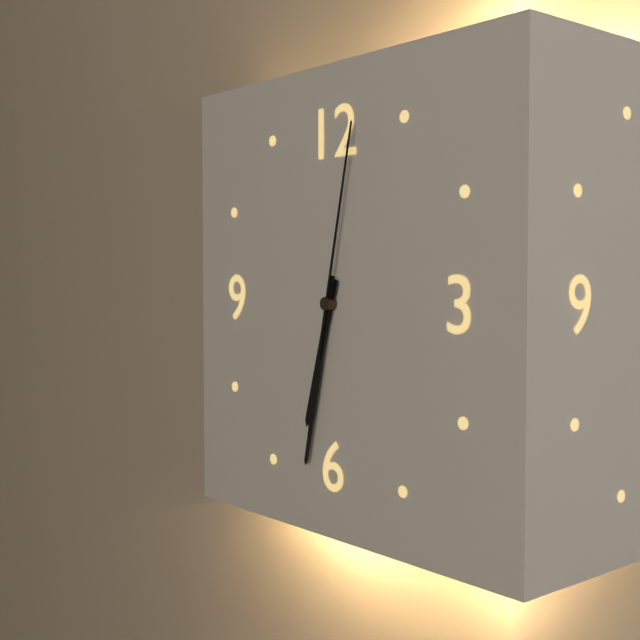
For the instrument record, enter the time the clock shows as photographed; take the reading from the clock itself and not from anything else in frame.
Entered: 6:32:02
